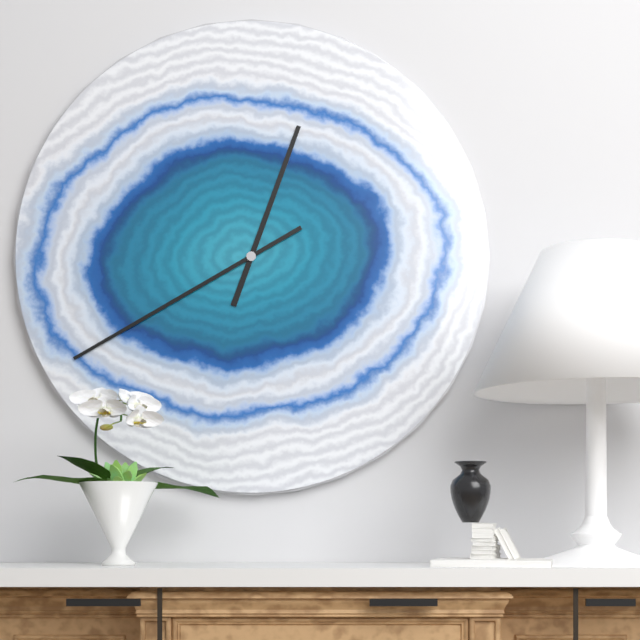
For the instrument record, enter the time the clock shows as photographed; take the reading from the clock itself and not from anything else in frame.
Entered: 12:40
